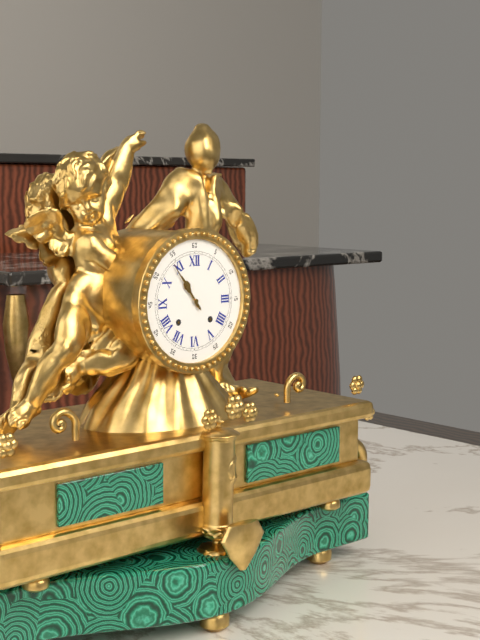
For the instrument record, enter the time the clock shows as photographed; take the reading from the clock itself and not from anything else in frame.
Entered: 10:54
